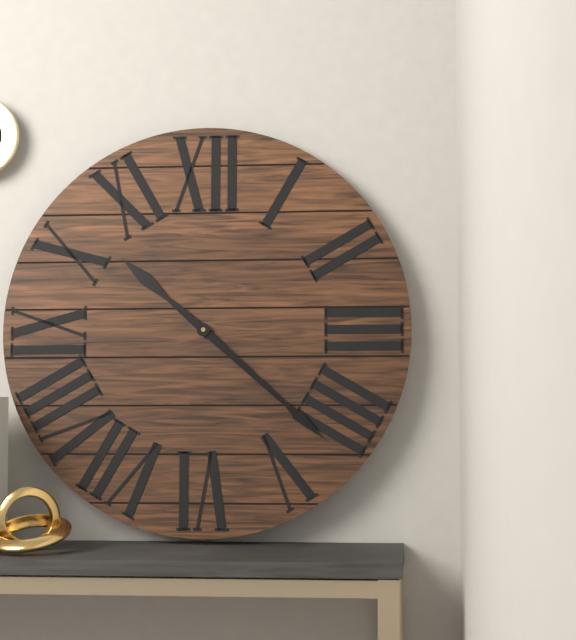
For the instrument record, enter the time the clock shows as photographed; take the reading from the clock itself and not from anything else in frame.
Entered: 10:22
